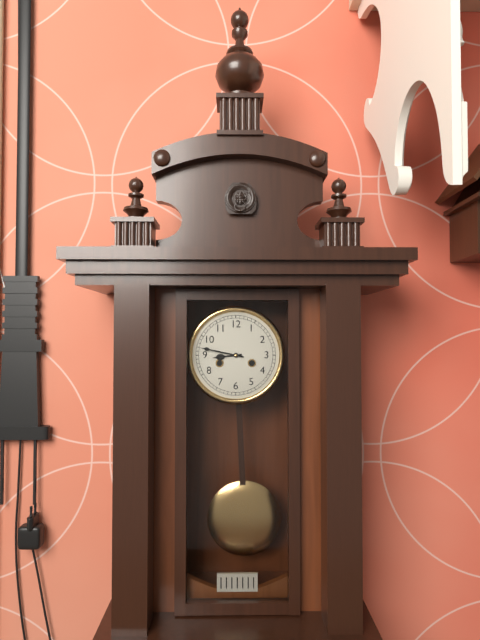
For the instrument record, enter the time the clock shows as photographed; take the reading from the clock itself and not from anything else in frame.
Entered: 8:47
